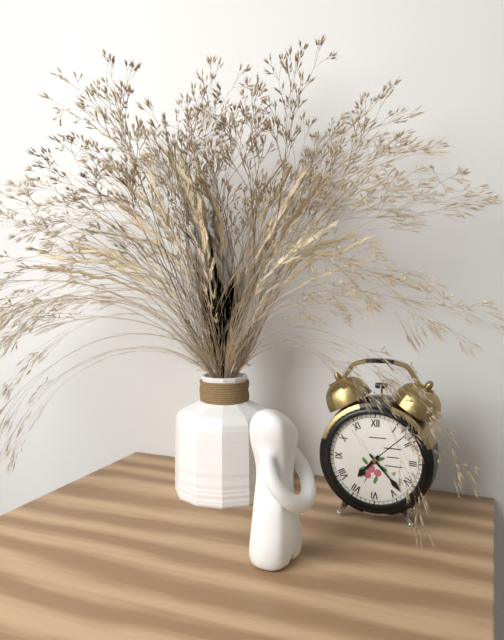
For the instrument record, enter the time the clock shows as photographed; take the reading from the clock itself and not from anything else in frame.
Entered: 7:23
